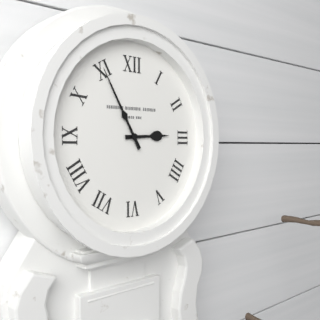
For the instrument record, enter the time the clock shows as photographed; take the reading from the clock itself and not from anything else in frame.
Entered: 2:55
